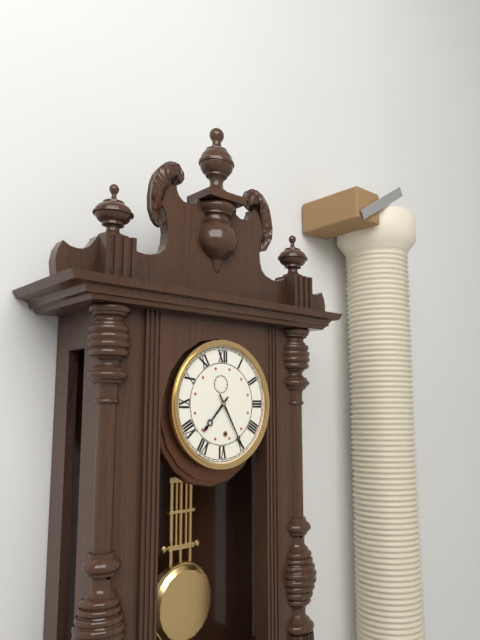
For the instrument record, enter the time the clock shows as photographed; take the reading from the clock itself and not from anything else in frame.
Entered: 7:25
